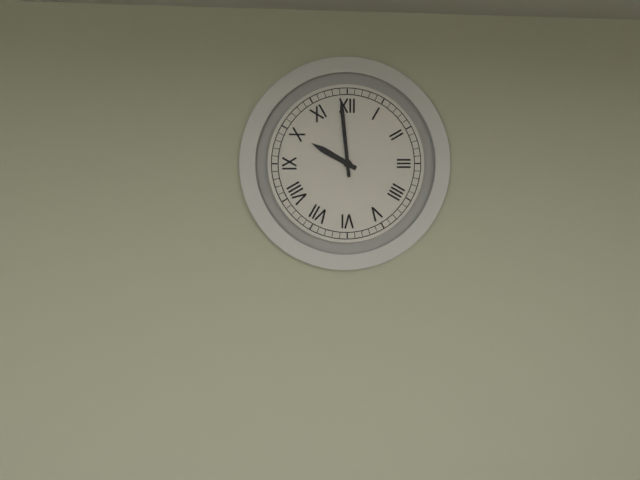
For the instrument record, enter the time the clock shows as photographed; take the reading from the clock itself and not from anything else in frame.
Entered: 9:59
